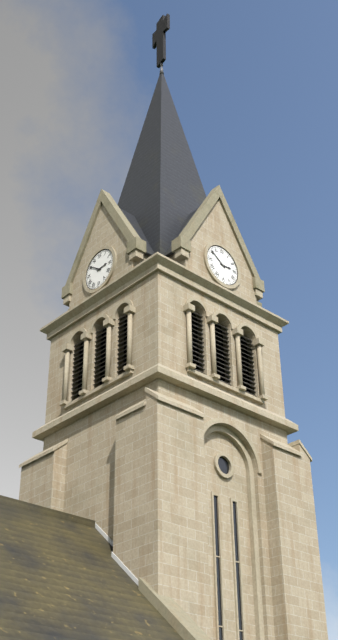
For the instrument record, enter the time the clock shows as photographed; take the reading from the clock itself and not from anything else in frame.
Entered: 2:51
